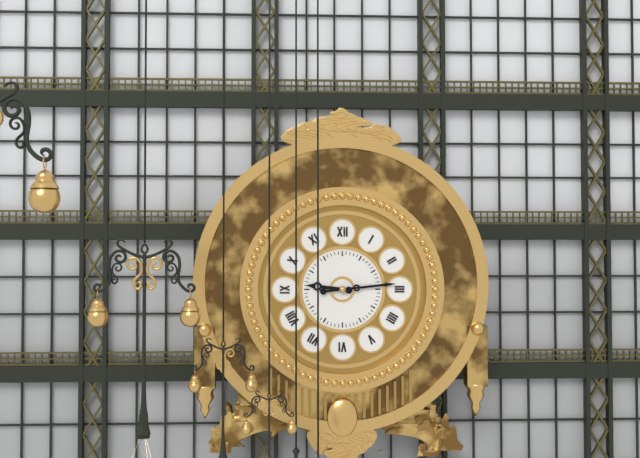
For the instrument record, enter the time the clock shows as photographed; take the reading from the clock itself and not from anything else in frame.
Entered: 9:14
